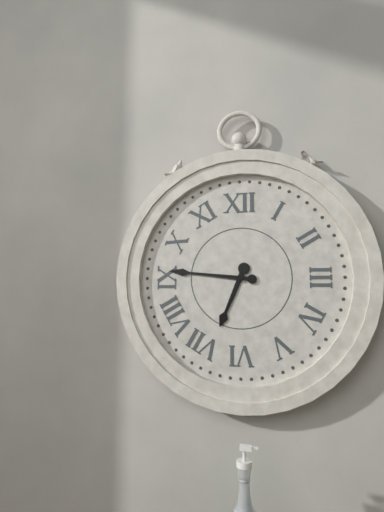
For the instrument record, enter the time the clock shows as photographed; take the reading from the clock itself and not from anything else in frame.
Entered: 6:46
